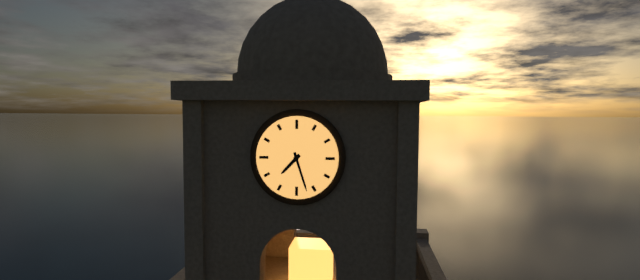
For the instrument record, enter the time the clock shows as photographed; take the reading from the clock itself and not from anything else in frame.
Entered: 7:27
